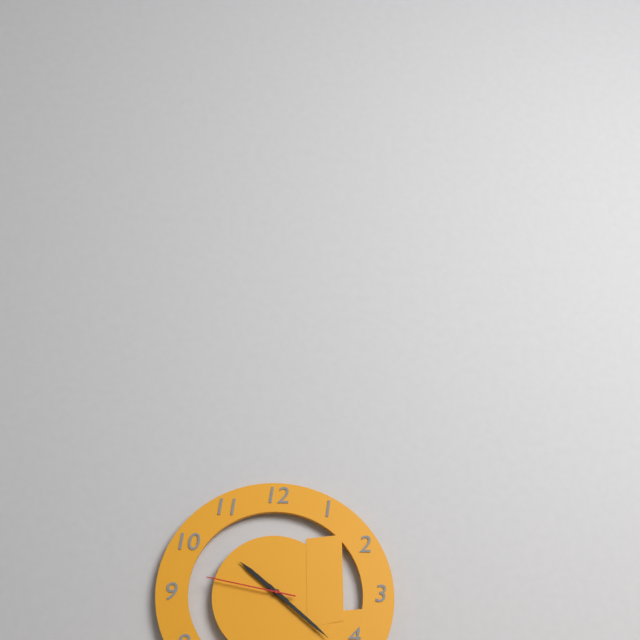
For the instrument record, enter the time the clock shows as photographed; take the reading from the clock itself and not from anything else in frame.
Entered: 10:22:47
